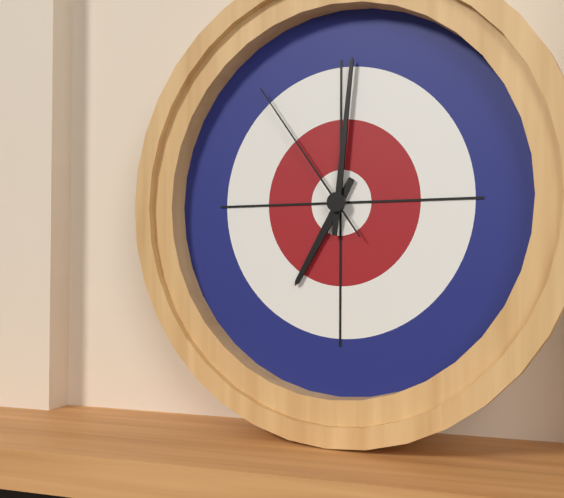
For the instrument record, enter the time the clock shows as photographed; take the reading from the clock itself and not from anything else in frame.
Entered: 7:01:54
